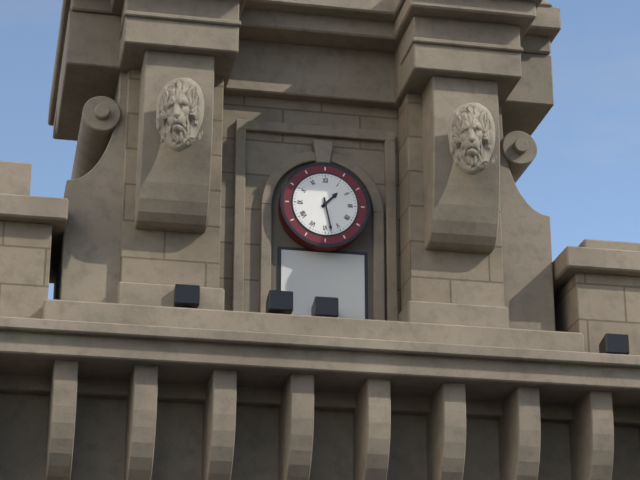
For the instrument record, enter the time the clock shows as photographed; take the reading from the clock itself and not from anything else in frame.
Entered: 1:28
